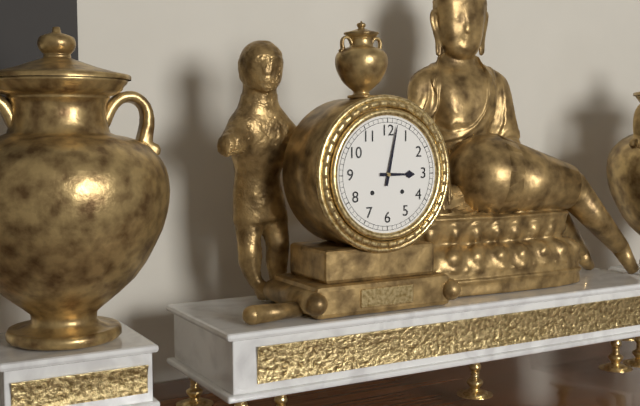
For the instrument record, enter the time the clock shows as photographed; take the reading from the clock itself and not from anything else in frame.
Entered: 3:02
